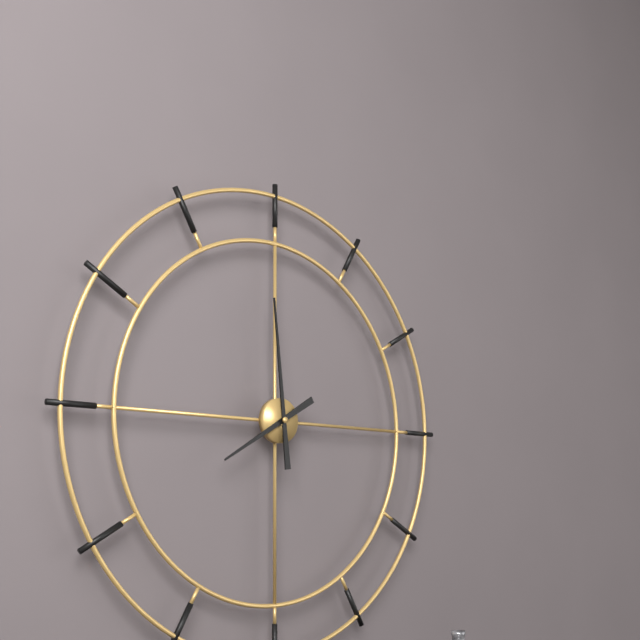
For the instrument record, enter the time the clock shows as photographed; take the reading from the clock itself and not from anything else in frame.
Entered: 7:59
